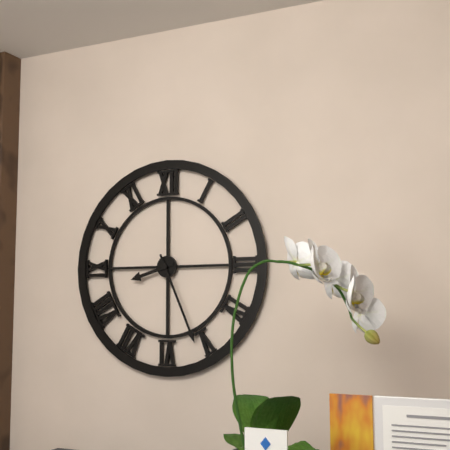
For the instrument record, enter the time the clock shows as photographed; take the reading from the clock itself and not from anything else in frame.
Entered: 8:26
